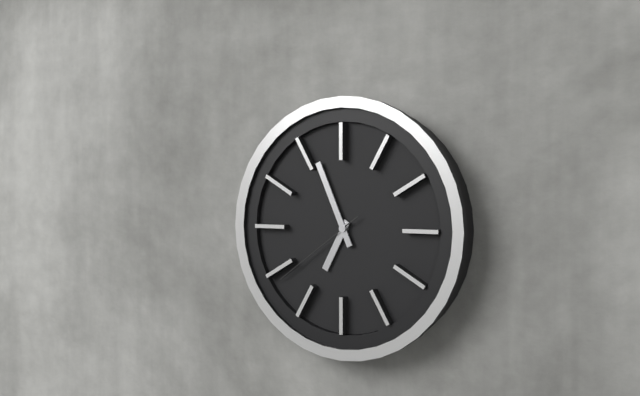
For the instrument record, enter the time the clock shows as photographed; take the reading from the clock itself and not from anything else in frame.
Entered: 6:56:39
